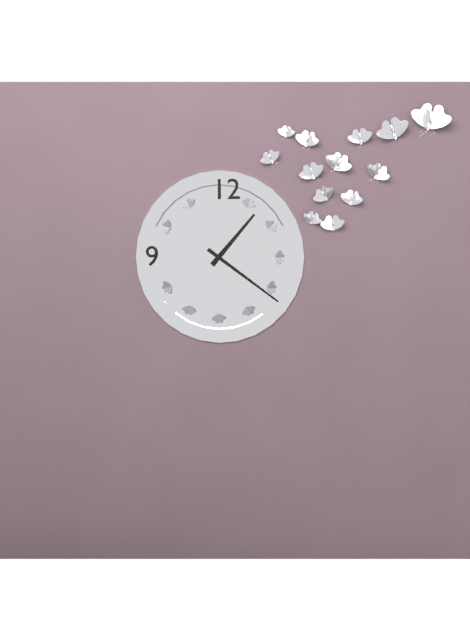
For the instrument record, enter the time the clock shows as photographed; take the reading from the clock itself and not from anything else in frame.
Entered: 1:21
